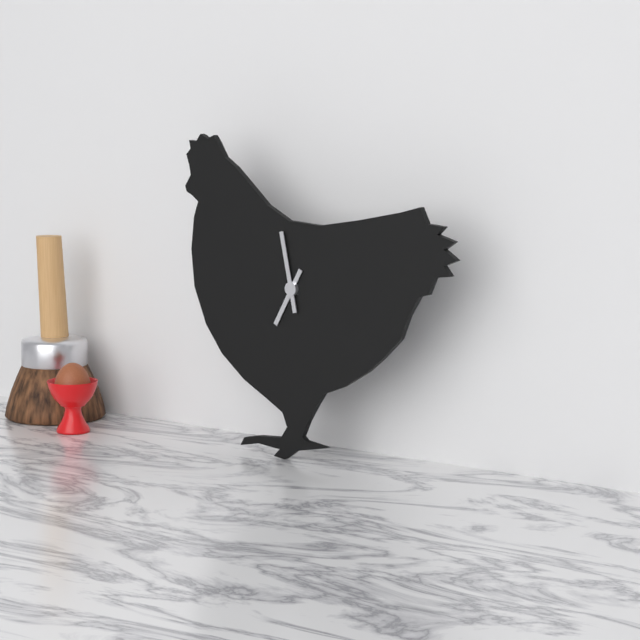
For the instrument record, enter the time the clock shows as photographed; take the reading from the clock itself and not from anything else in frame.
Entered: 6:58
